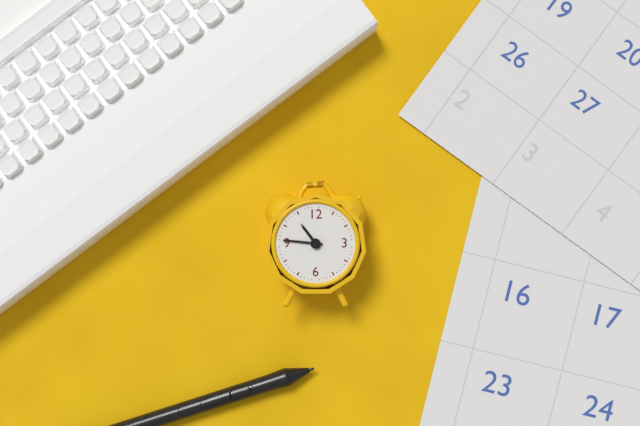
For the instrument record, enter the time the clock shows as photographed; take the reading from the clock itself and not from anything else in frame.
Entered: 10:46
